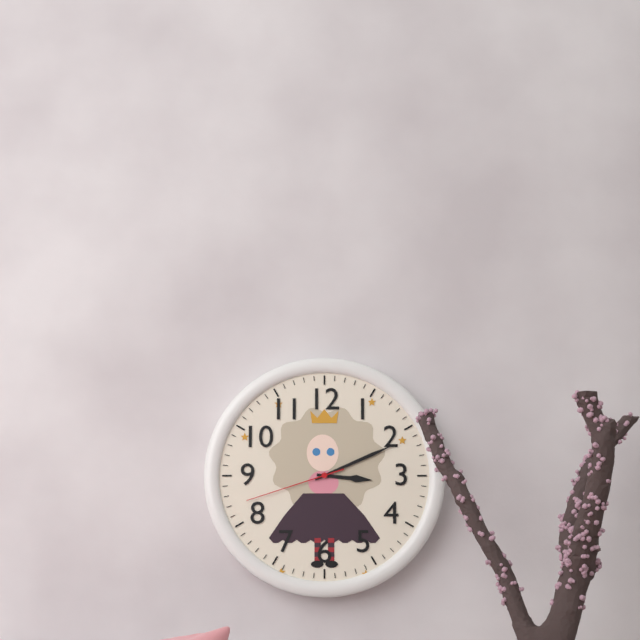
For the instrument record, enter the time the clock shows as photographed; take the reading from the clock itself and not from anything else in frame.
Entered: 3:11:42
